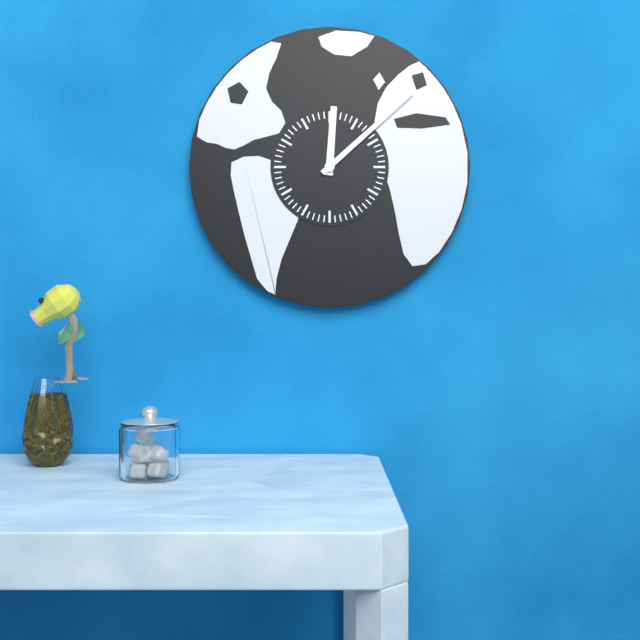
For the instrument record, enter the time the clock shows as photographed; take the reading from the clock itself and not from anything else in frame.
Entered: 12:08
